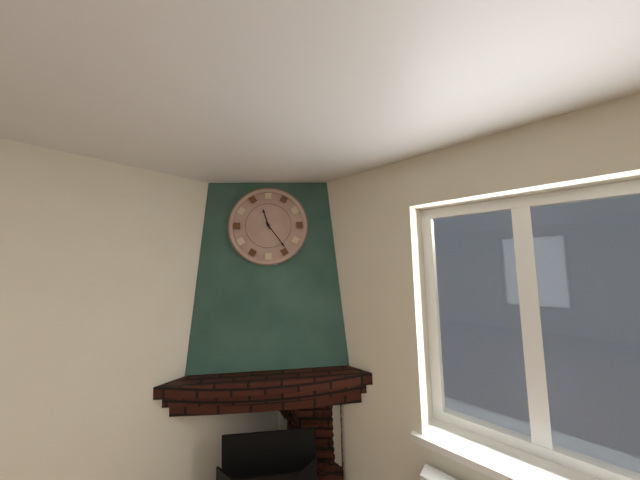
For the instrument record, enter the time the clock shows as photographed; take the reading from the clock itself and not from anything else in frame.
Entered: 11:24
